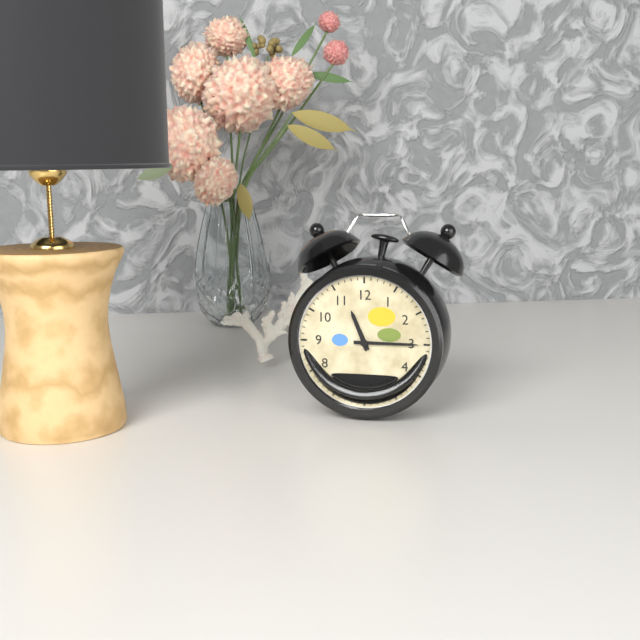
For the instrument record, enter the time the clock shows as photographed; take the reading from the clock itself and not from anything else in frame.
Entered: 11:15
